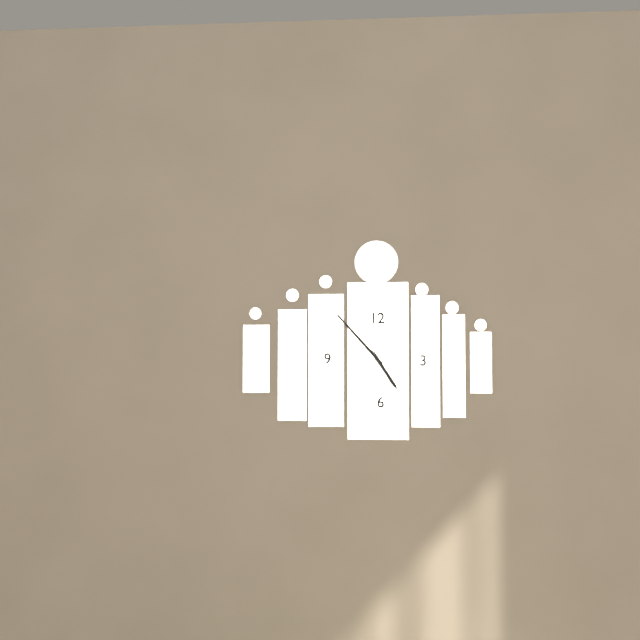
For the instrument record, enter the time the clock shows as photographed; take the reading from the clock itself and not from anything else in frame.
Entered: 4:53:25
